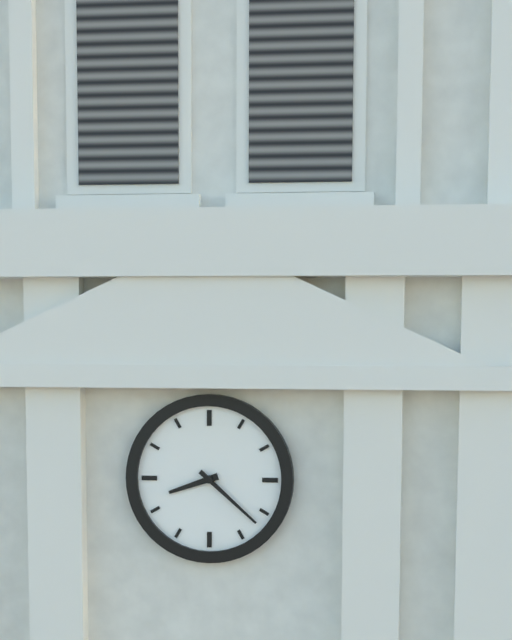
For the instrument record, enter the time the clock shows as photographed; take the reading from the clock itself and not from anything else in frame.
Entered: 8:22
